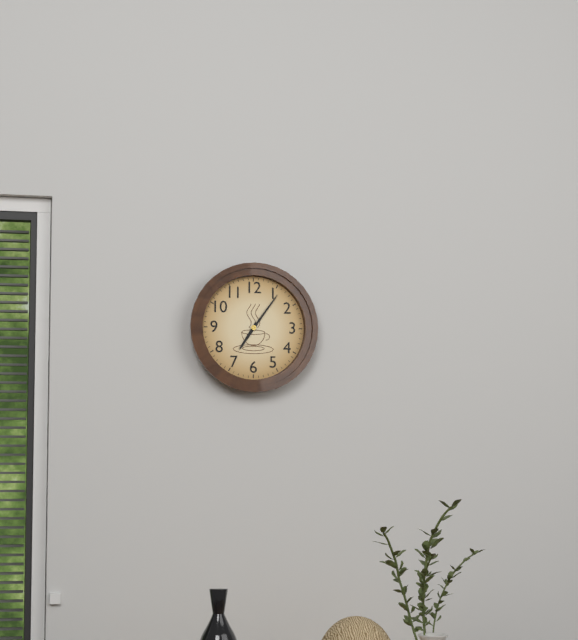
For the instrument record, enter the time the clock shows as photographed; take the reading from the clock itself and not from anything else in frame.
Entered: 7:06
